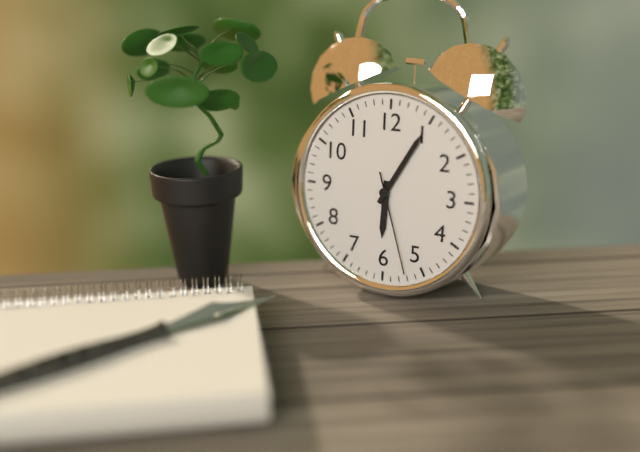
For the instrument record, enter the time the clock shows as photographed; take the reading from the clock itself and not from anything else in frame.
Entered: 6:05:27
